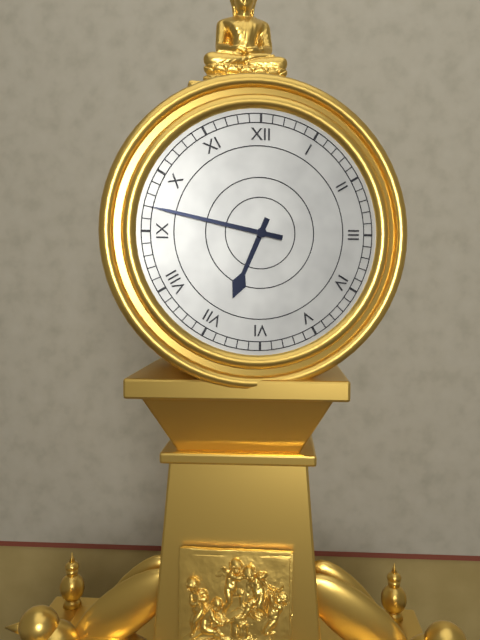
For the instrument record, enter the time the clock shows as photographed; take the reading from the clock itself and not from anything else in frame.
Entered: 6:47
